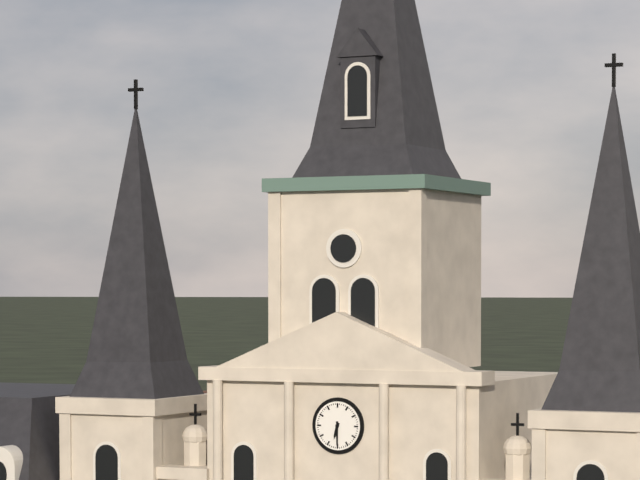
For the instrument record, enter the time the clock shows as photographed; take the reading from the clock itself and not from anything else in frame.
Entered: 6:30
